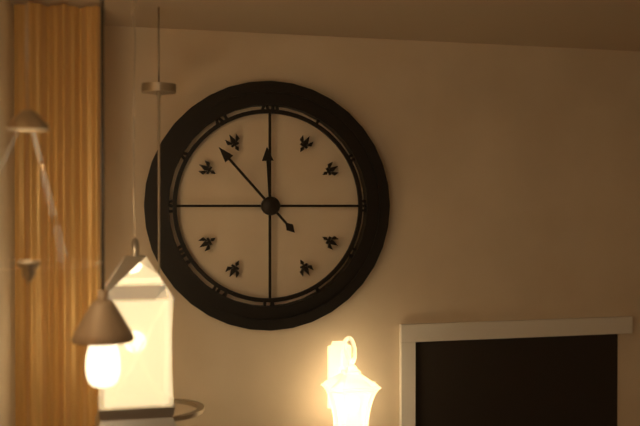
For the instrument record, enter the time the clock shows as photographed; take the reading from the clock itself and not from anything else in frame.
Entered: 11:53
